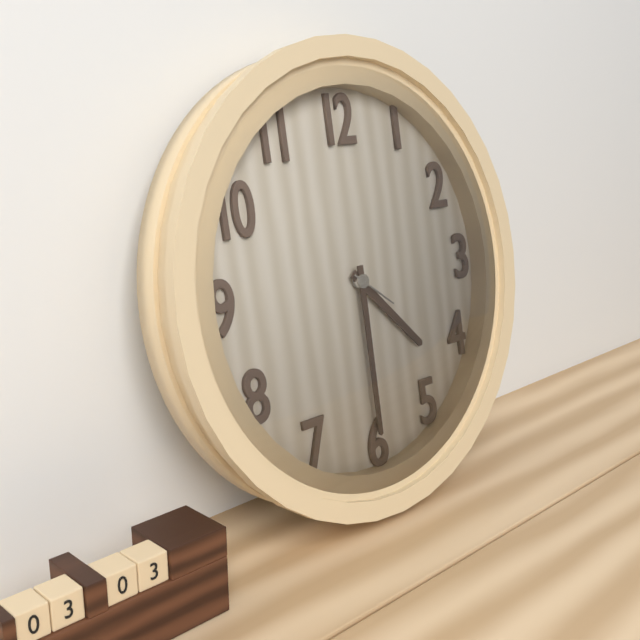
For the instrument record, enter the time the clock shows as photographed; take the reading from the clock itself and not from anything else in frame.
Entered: 4:30
